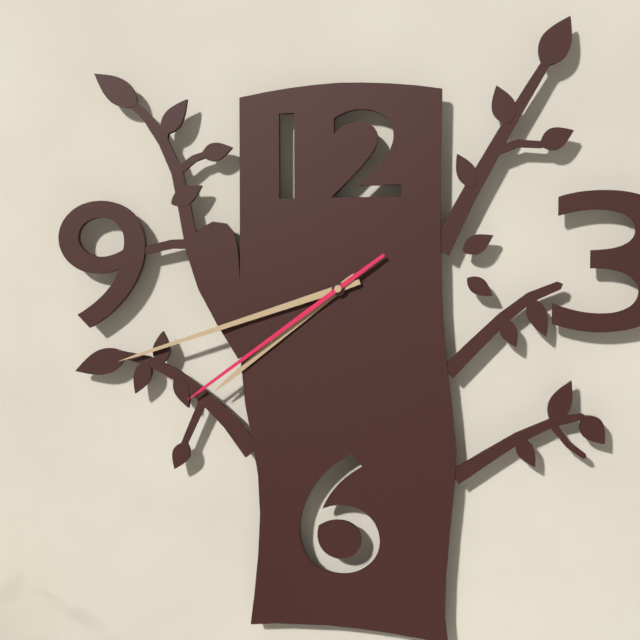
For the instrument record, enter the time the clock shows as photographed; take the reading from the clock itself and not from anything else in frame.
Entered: 7:42:39
